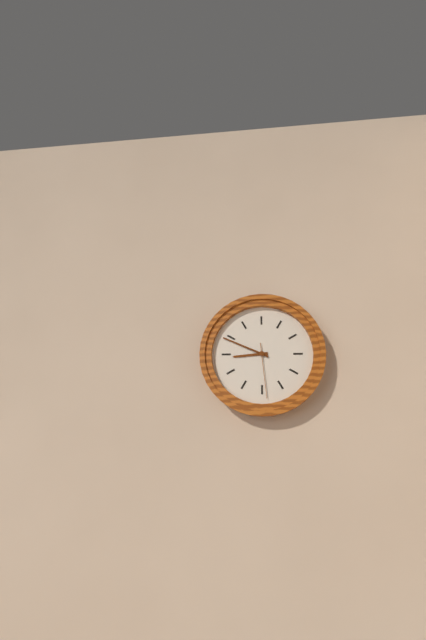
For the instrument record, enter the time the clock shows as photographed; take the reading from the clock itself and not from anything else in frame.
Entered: 8:49:29
